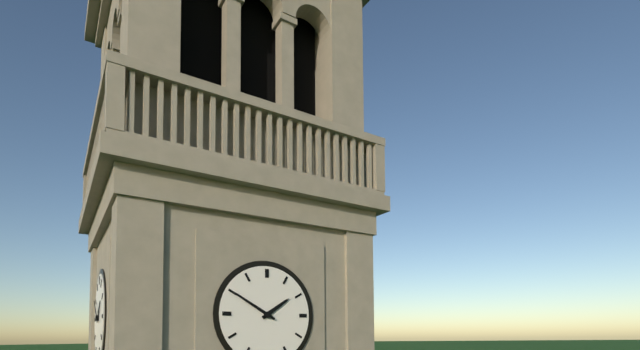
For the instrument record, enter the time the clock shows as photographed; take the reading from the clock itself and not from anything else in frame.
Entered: 1:50
